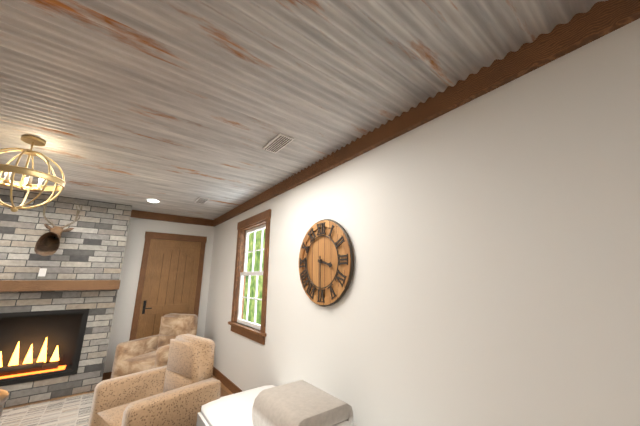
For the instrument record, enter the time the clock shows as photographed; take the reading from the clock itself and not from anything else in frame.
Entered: 3:30
